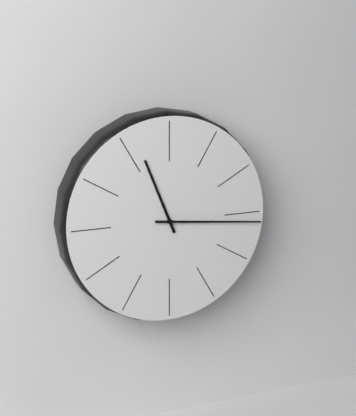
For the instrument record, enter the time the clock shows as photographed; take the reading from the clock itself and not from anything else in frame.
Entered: 11:16
